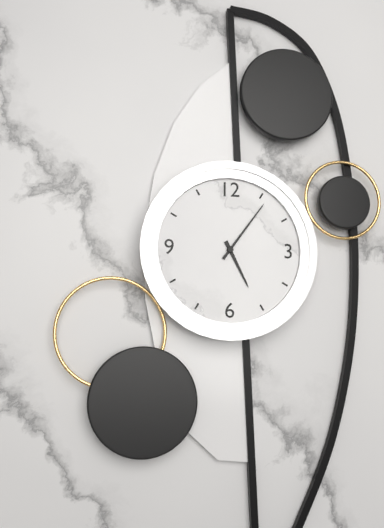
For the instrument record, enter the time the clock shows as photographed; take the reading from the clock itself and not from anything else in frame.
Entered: 5:06
